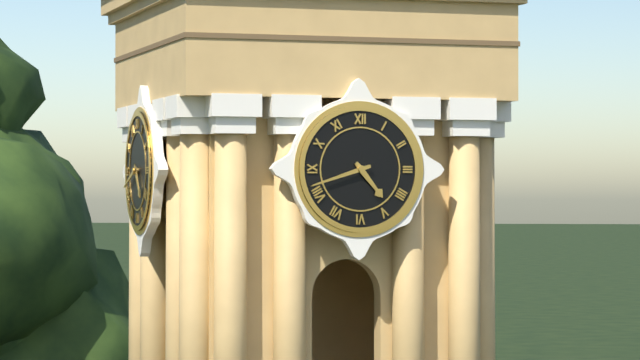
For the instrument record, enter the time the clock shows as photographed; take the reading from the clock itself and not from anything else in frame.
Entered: 4:42
